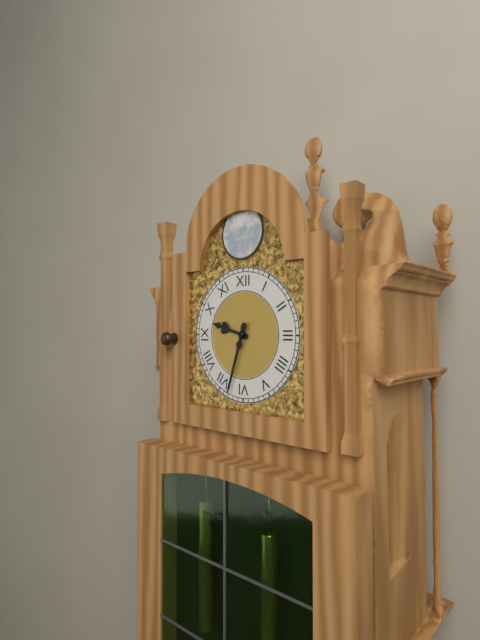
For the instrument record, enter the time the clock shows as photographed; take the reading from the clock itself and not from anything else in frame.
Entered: 9:33
